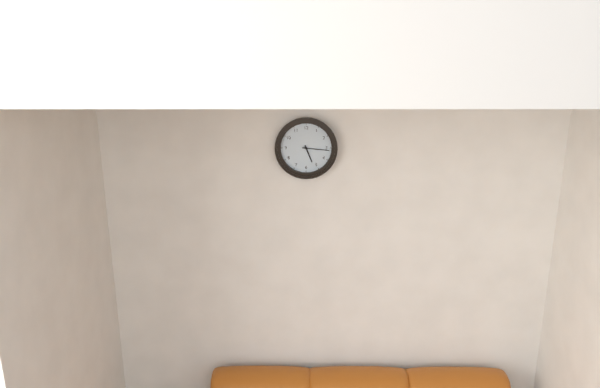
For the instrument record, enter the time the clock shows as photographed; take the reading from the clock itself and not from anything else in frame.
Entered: 5:16
